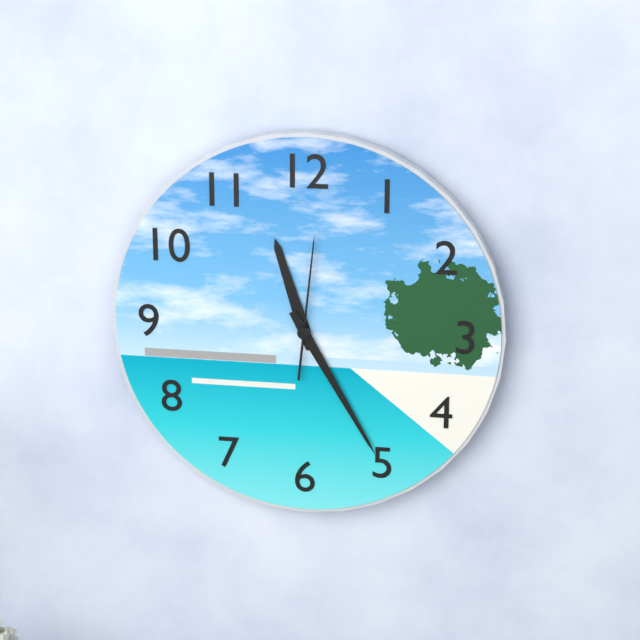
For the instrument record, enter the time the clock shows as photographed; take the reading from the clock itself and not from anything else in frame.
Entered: 11:25:01
